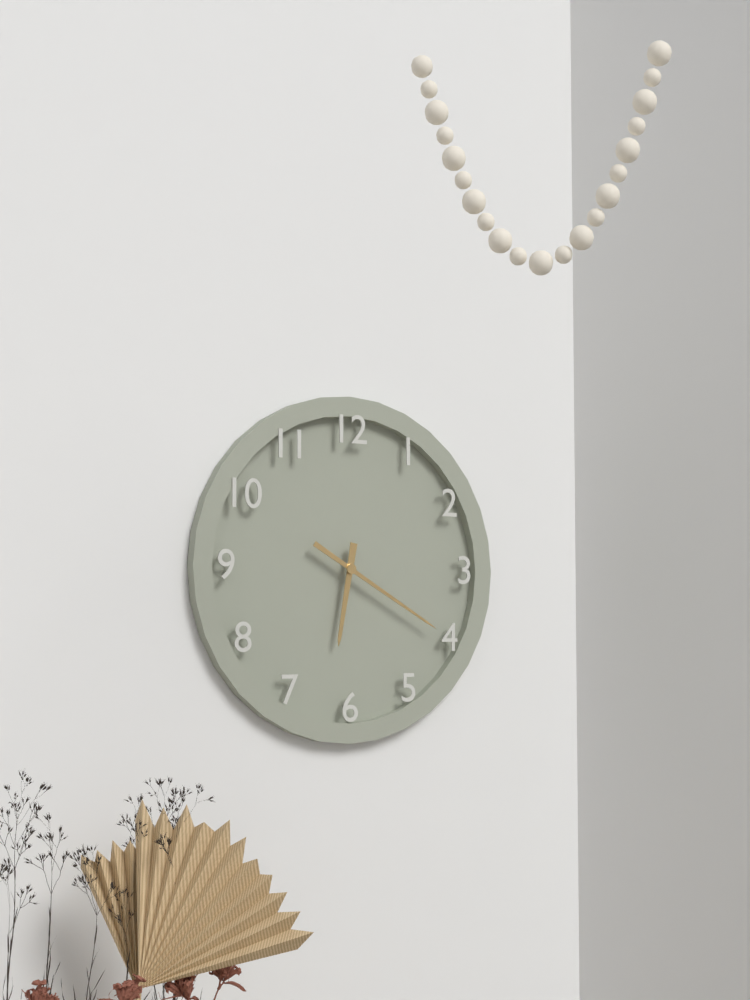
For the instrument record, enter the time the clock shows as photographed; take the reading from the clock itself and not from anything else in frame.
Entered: 6:20
